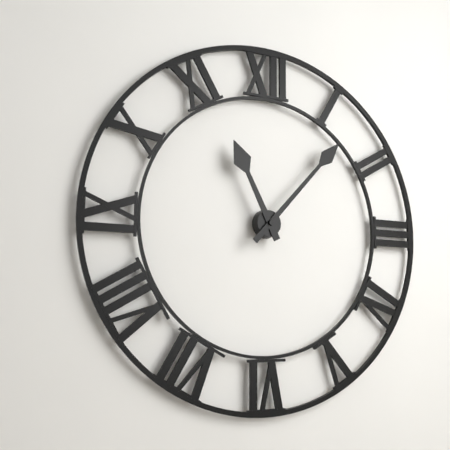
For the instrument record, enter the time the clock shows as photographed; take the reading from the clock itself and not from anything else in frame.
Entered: 11:07
